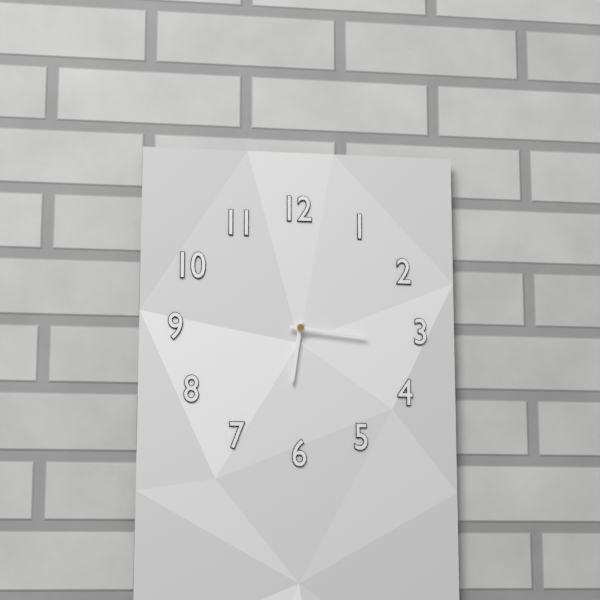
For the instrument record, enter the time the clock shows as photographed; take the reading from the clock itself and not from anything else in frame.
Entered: 6:16
